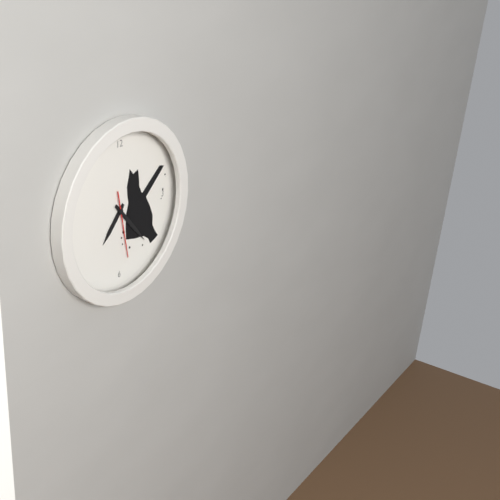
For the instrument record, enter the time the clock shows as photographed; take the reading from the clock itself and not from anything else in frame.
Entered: 7:23:28
